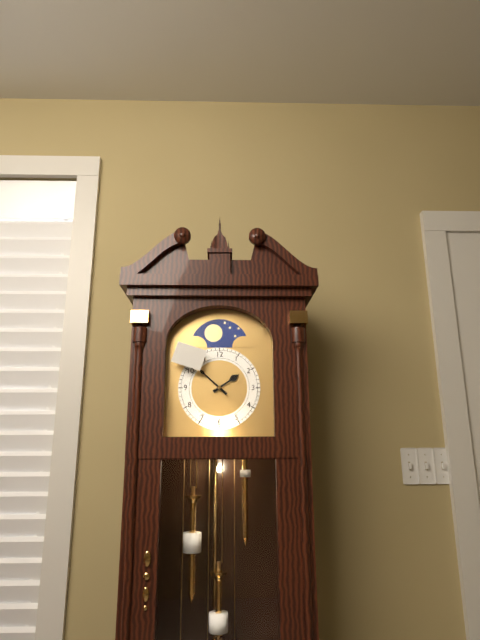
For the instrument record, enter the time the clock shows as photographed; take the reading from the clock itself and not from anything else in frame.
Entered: 1:52
